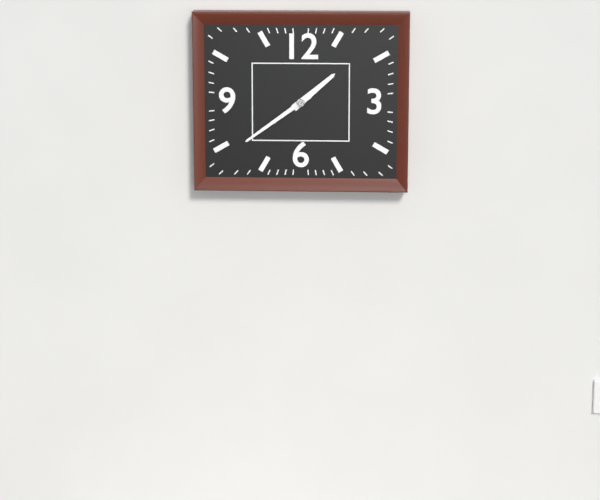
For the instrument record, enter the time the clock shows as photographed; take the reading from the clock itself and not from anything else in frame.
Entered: 1:39
